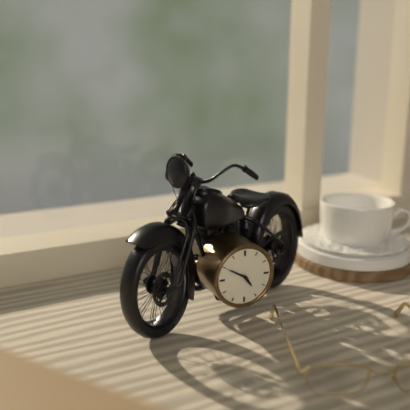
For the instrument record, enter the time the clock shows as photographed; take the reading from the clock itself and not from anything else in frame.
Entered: 4:50
